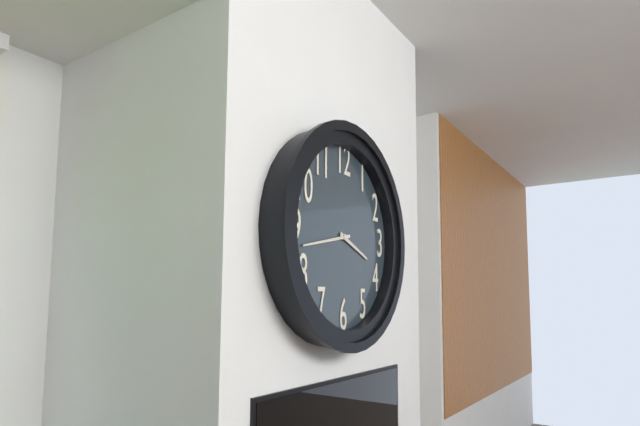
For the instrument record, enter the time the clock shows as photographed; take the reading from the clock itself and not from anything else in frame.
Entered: 3:43
